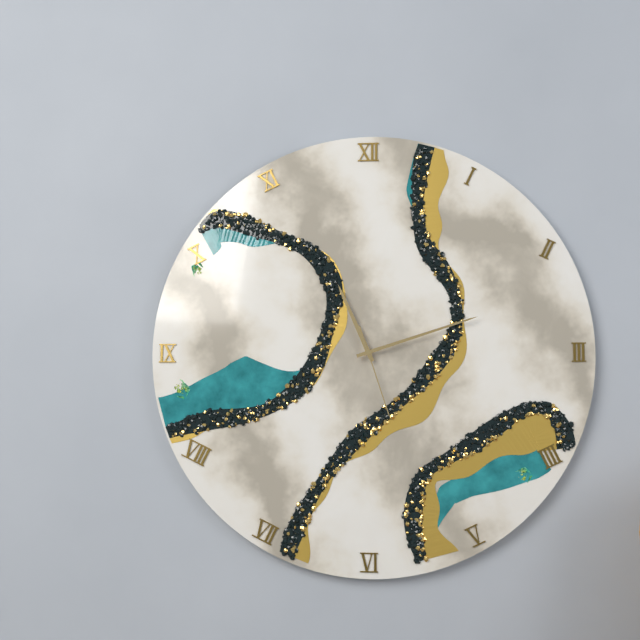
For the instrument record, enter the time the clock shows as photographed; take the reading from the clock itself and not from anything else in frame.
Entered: 11:12:27
